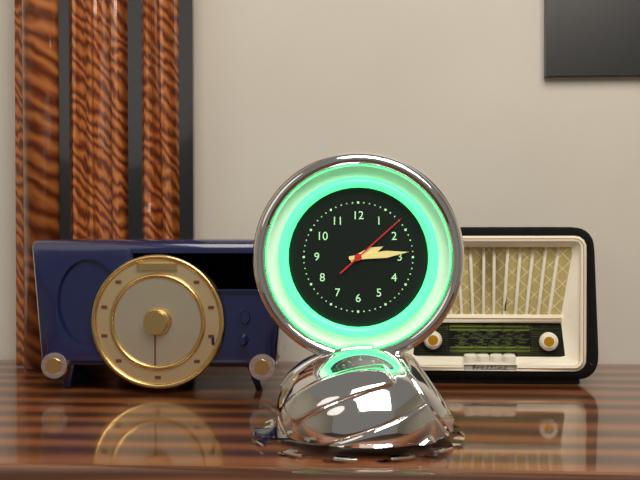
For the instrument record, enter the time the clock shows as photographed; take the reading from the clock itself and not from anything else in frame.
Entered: 2:14:08
